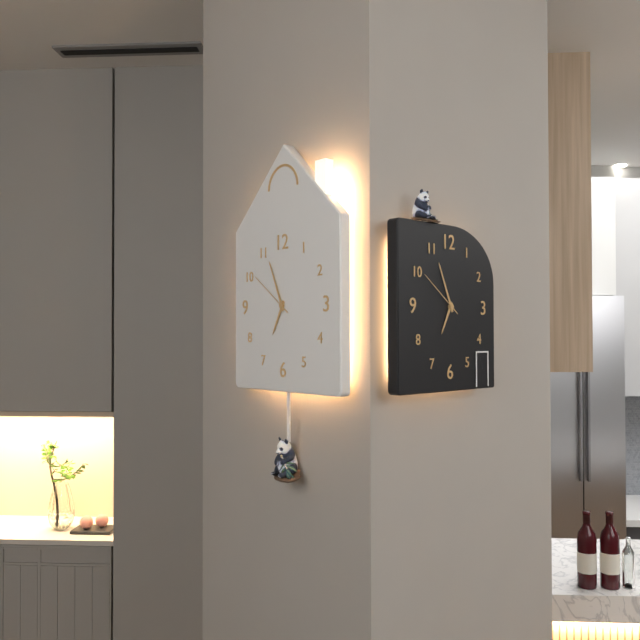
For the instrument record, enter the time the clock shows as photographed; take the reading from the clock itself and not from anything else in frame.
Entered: 6:56
